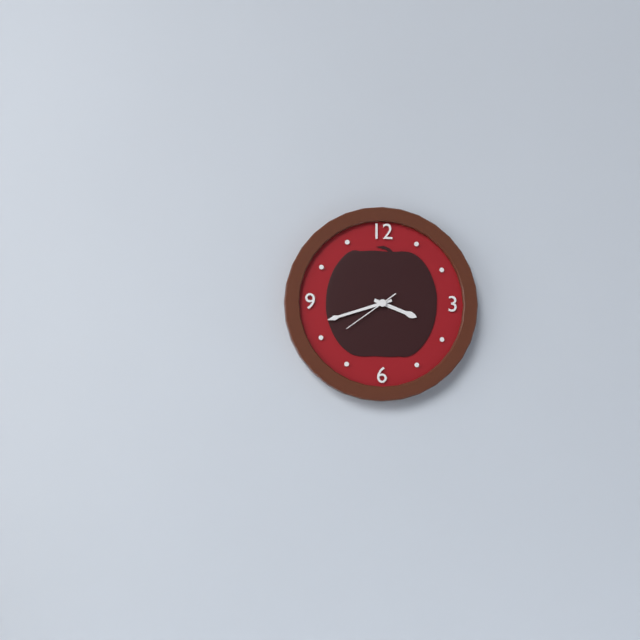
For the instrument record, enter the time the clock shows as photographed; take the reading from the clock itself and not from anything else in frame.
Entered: 3:42:39
